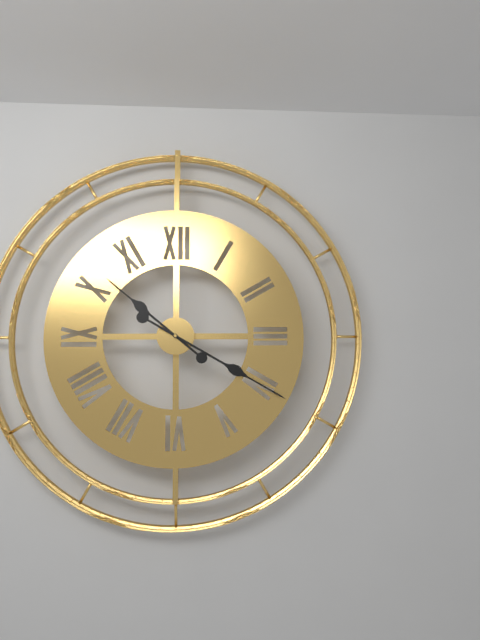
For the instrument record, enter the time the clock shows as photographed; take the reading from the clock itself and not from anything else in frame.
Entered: 10:20
